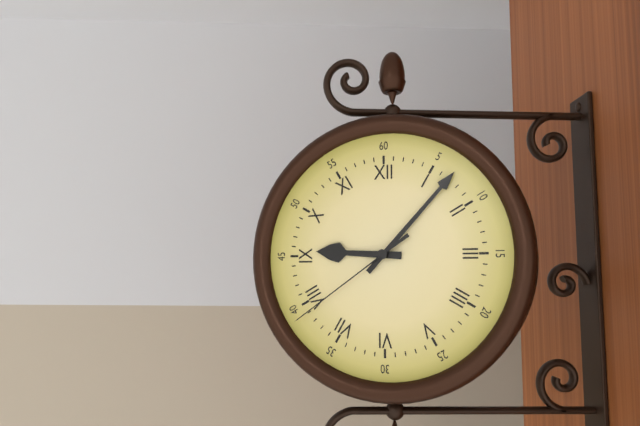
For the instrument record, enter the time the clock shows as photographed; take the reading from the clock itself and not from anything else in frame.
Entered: 9:07:39
